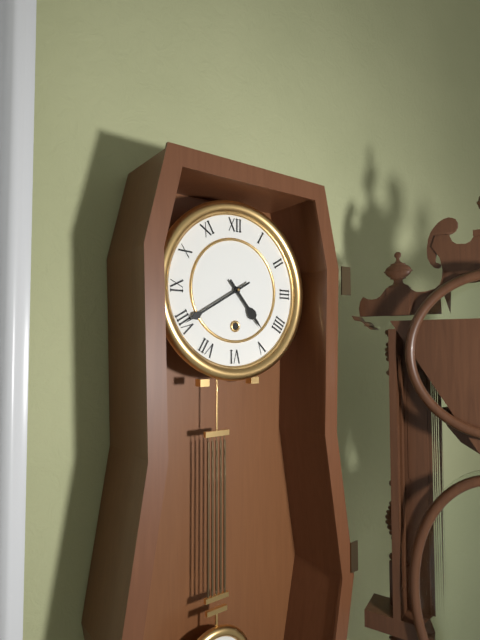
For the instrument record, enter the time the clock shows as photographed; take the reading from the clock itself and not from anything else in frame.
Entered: 4:40
